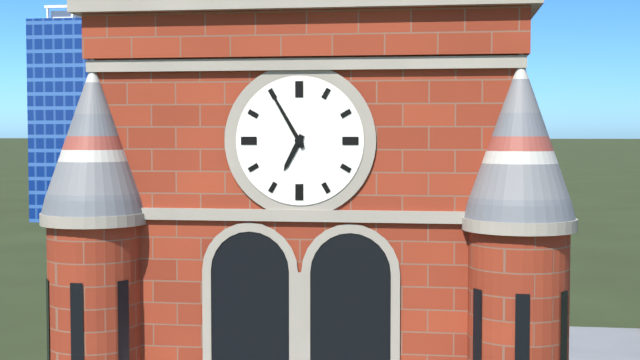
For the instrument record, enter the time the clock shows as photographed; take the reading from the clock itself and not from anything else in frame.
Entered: 6:55
